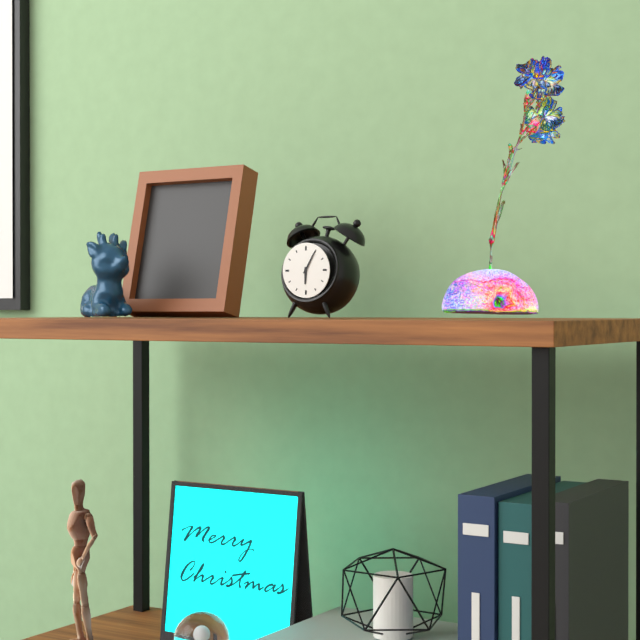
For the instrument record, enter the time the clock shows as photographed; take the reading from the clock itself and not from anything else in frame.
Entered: 6:05
